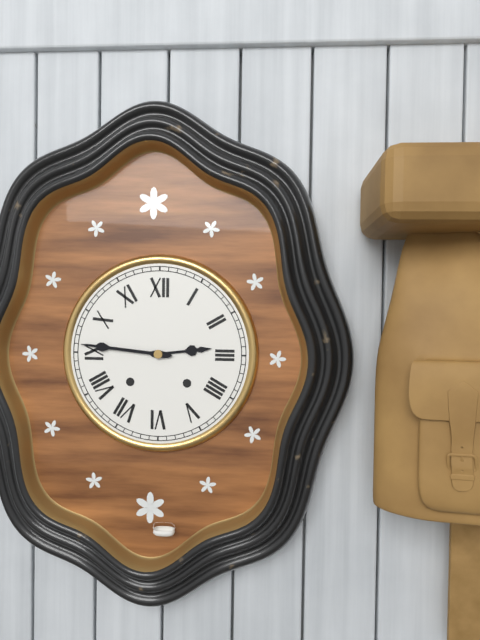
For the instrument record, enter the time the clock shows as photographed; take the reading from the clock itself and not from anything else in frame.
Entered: 2:46
